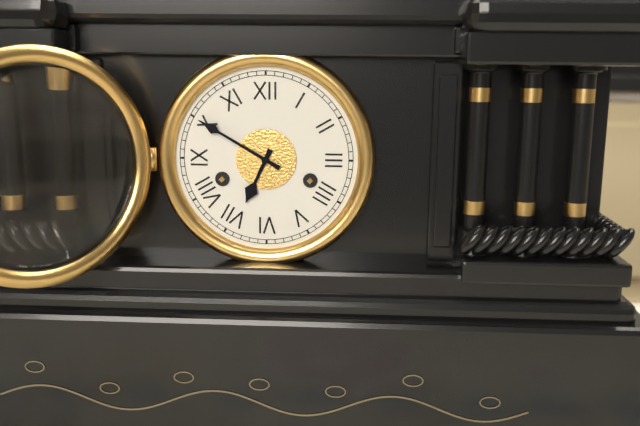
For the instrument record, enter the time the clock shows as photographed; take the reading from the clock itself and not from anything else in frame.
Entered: 6:50
